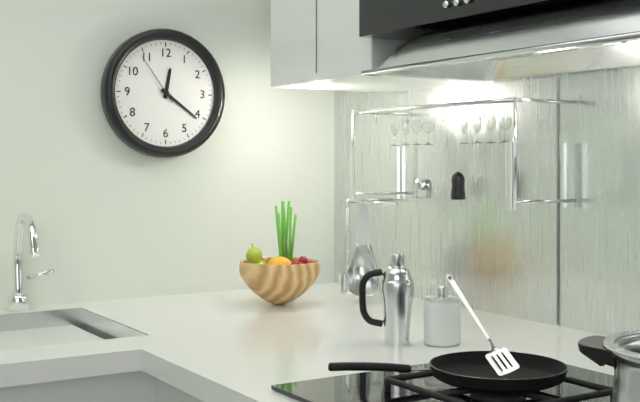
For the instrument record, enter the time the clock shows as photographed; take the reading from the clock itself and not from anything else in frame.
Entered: 12:21:54
